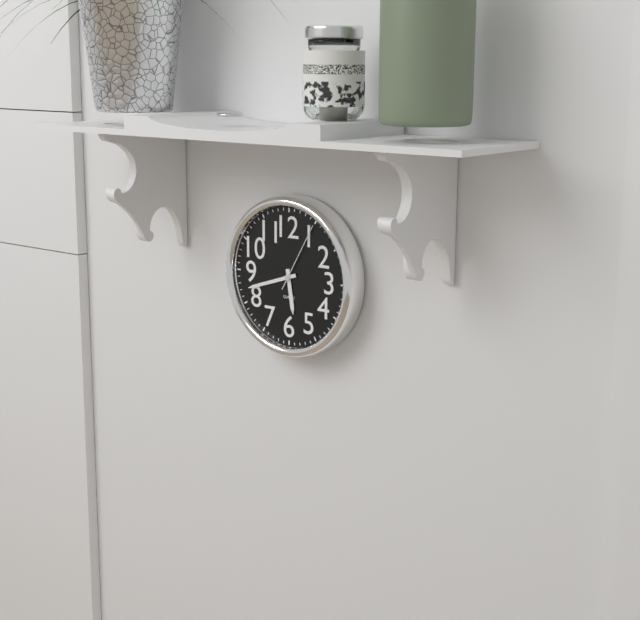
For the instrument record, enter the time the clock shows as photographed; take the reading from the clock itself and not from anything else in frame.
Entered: 5:42:05
